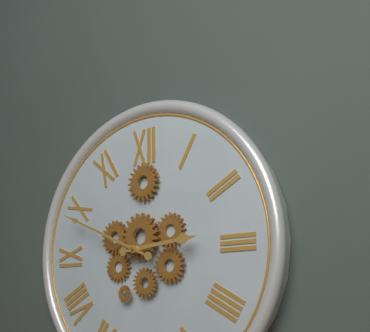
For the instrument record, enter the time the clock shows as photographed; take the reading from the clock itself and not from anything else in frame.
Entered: 2:49
